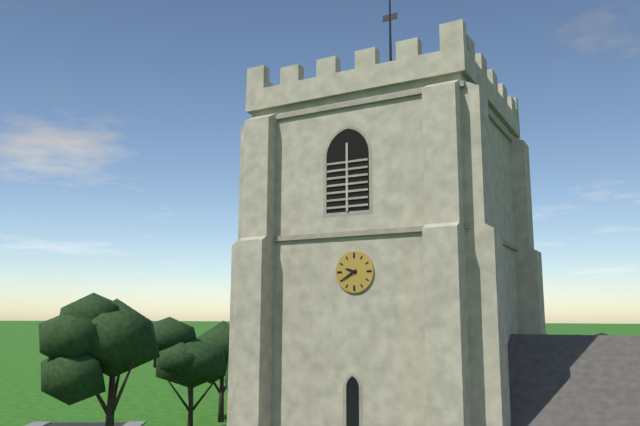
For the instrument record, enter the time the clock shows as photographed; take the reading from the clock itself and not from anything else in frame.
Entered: 9:40
